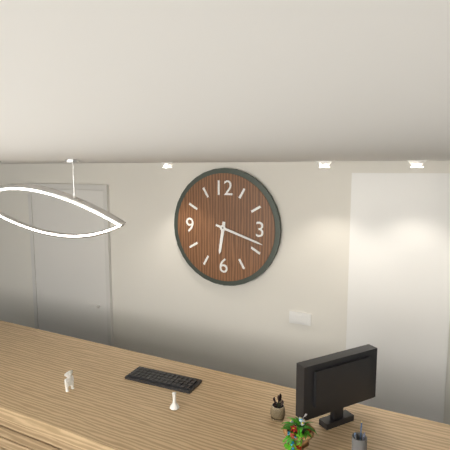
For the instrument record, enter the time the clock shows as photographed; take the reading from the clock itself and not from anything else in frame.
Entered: 6:18
